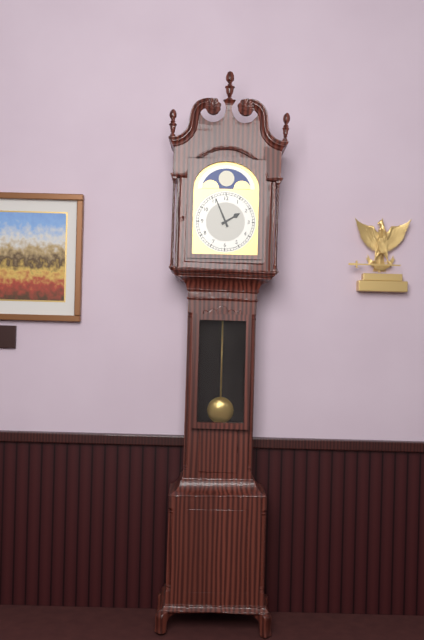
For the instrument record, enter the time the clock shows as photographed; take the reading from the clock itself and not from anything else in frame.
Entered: 1:56
